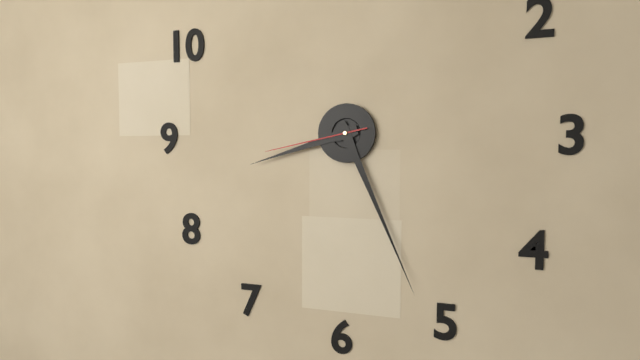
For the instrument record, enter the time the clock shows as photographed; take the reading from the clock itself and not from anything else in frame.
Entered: 8:26:43
